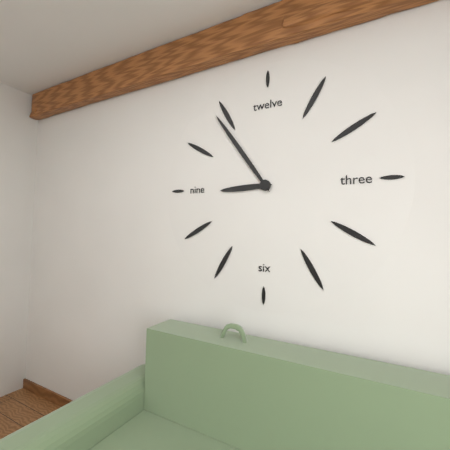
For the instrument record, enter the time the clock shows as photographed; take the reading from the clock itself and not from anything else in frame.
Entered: 8:54
